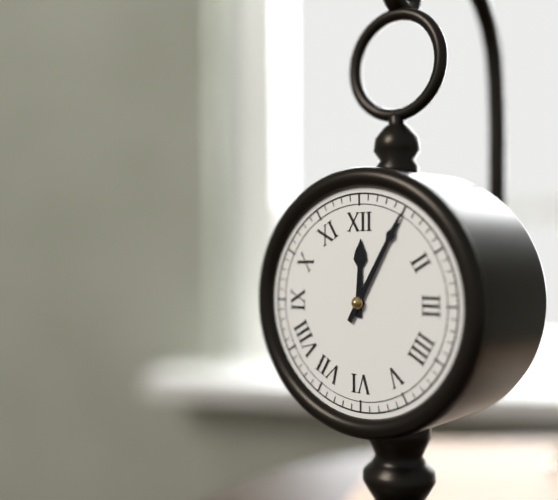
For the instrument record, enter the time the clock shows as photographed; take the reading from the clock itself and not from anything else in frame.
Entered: 12:05
